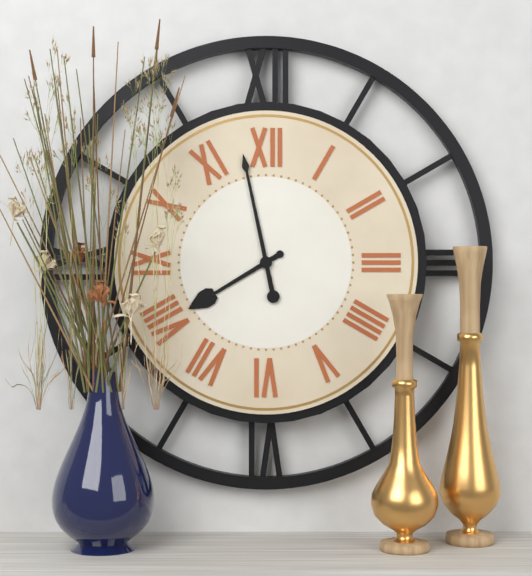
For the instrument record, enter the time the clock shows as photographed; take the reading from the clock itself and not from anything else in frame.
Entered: 7:58
